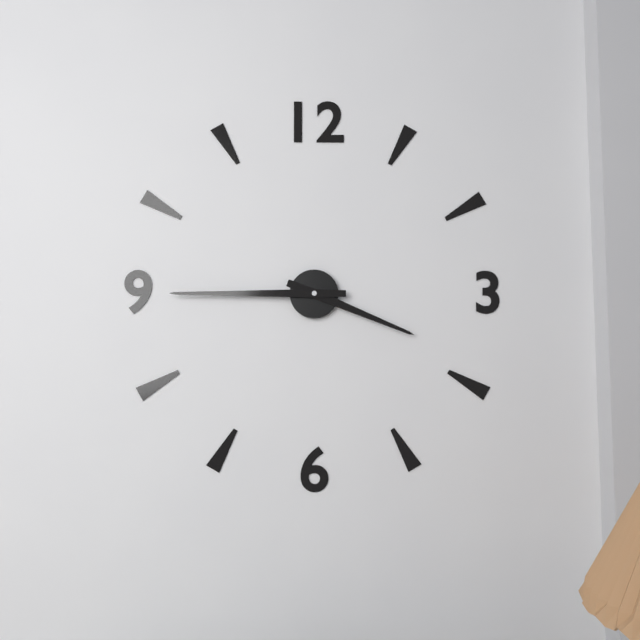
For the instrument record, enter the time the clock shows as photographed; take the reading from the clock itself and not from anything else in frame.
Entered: 3:45
